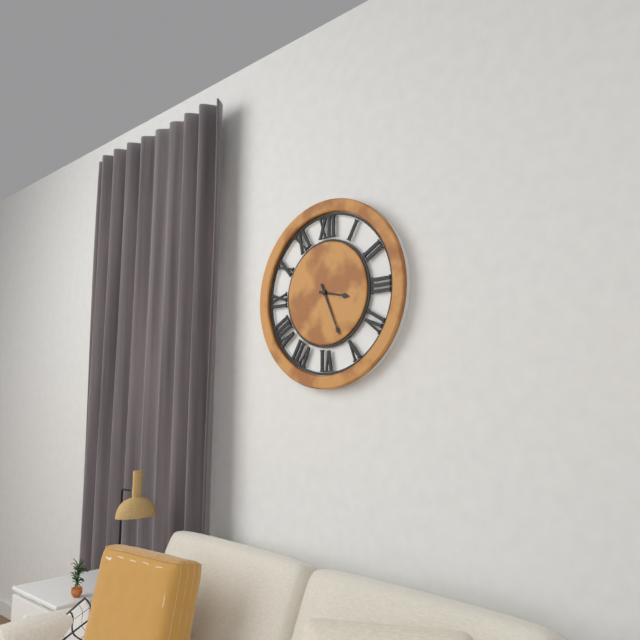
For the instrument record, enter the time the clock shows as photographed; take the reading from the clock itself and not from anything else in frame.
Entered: 3:26
